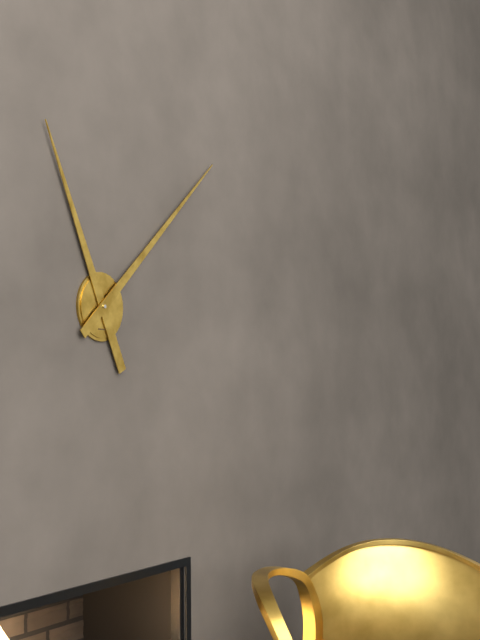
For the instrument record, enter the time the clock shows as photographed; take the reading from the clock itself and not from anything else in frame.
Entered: 11:08
